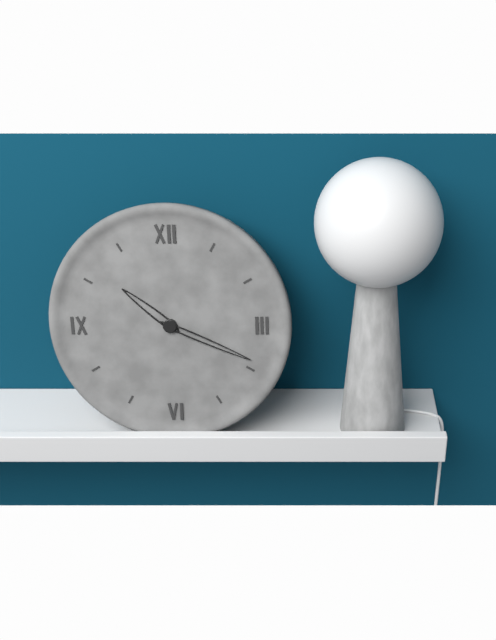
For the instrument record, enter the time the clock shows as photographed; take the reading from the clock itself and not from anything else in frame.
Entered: 10:19
